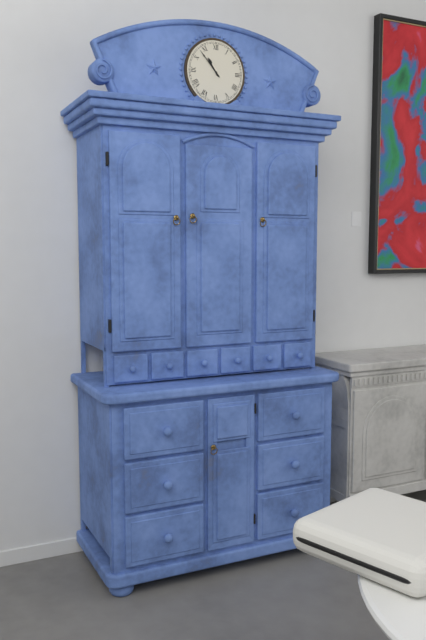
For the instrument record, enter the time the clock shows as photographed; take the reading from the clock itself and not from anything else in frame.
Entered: 10:53
